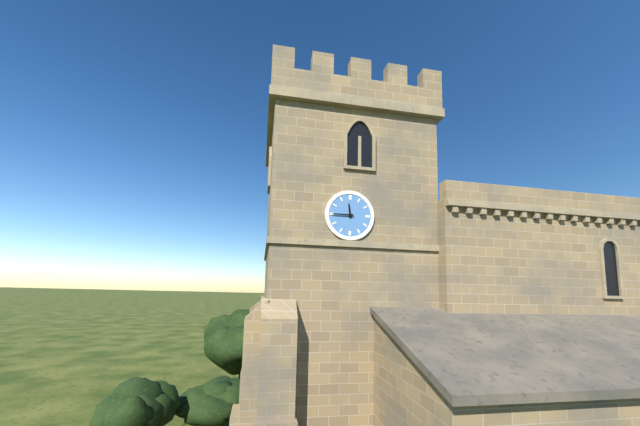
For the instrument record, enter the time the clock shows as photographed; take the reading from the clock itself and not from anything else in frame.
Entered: 11:45
